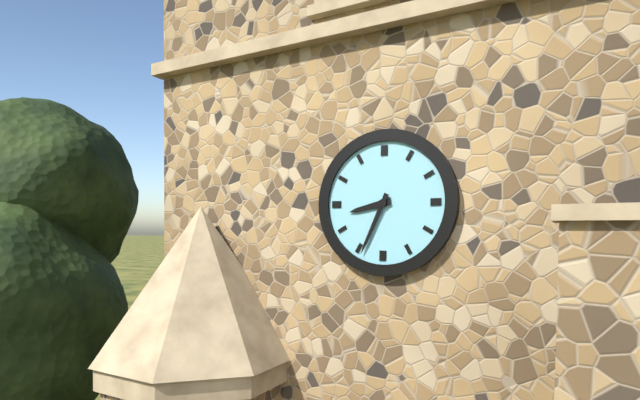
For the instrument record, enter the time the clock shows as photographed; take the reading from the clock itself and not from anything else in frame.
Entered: 8:34
